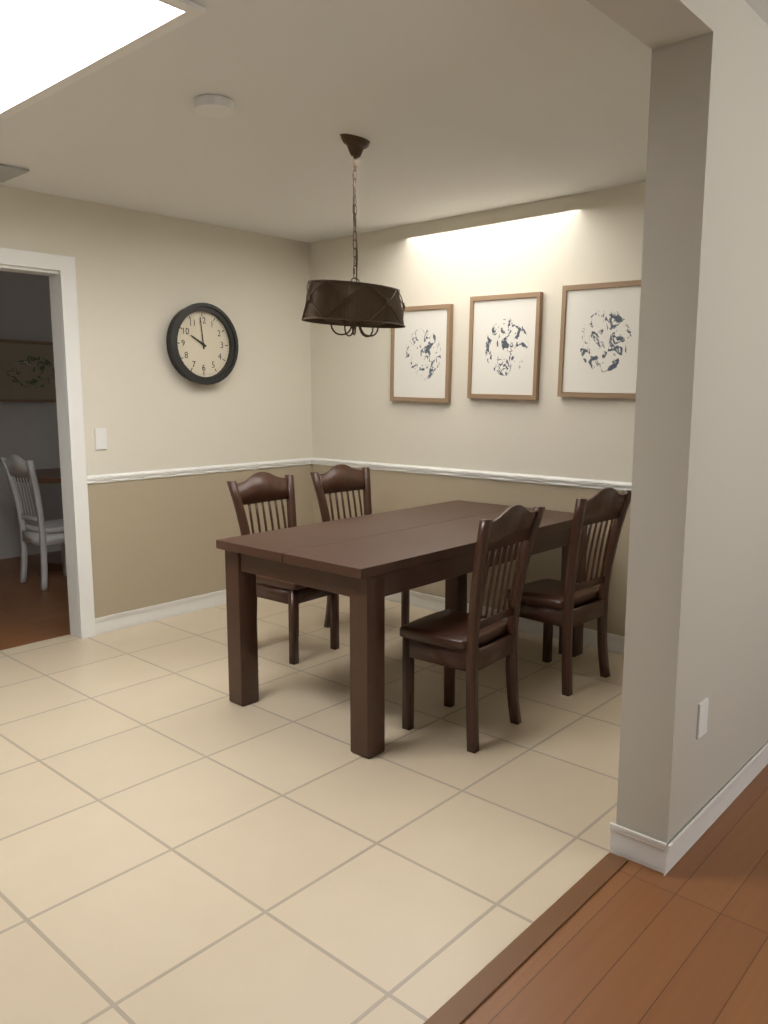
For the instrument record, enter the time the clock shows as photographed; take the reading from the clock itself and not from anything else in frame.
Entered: 9:59
